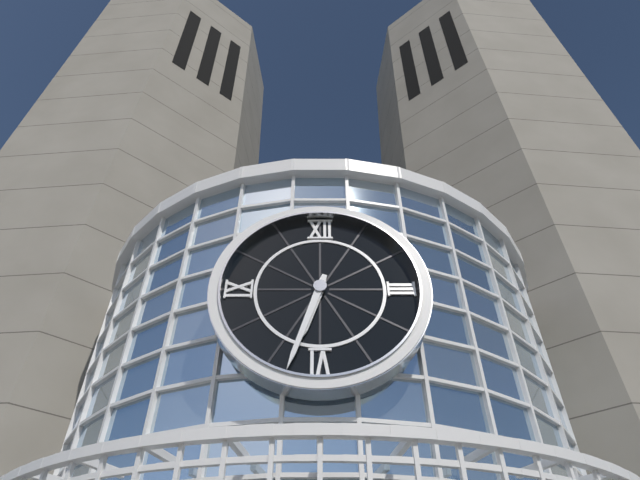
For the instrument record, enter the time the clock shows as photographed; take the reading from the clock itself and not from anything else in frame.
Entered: 6:33
